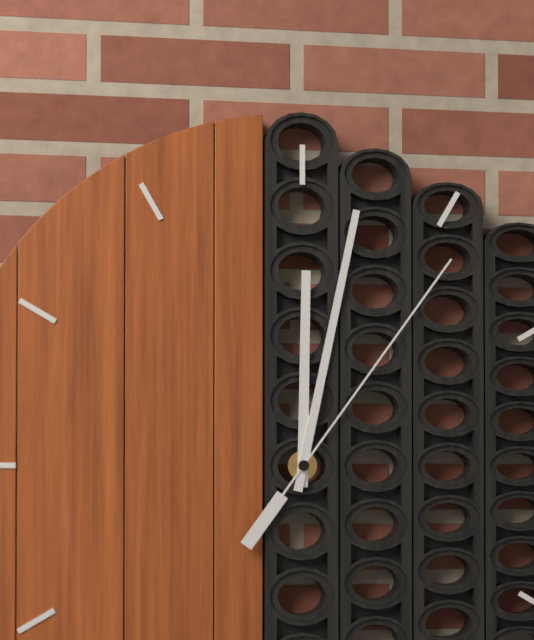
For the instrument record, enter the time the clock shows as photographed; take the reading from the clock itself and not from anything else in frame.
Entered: 12:02:06
